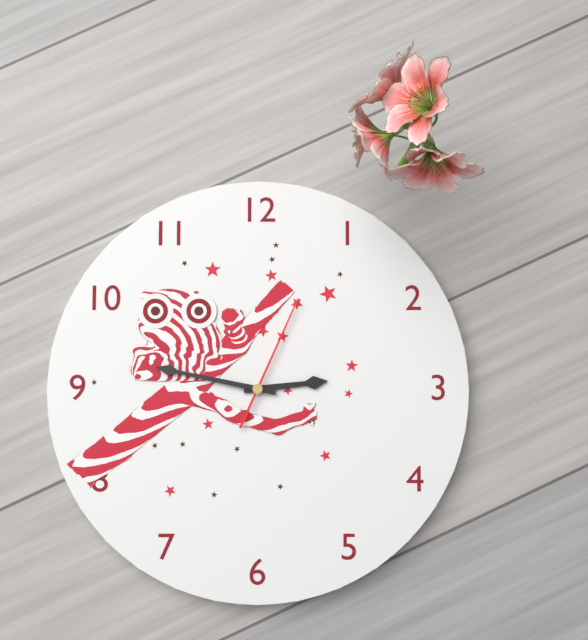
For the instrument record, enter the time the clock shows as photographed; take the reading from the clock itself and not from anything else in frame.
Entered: 2:47:04
